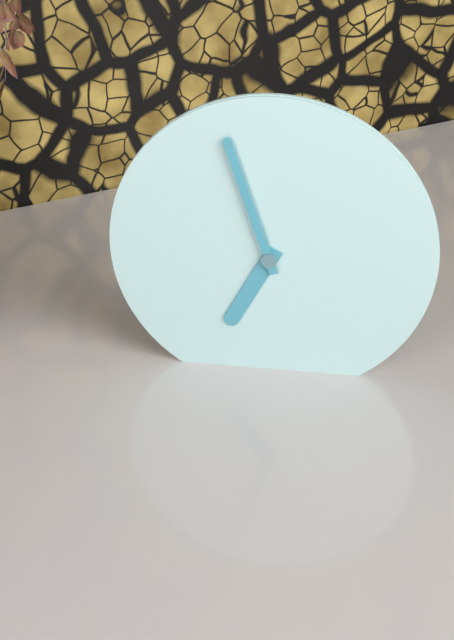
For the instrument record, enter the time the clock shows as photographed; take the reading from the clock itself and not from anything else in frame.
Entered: 6:57
